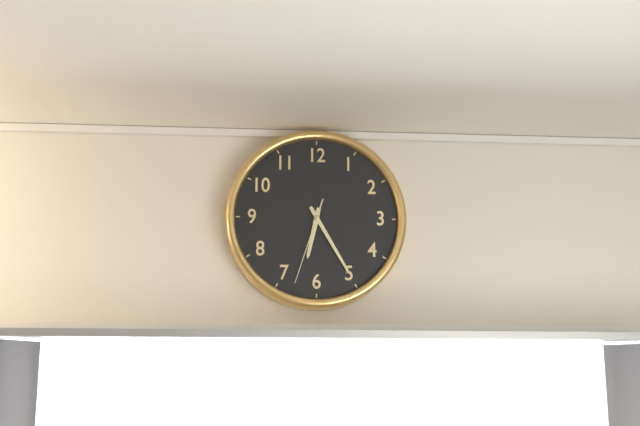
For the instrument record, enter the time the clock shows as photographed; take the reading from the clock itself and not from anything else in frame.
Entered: 6:25:33
